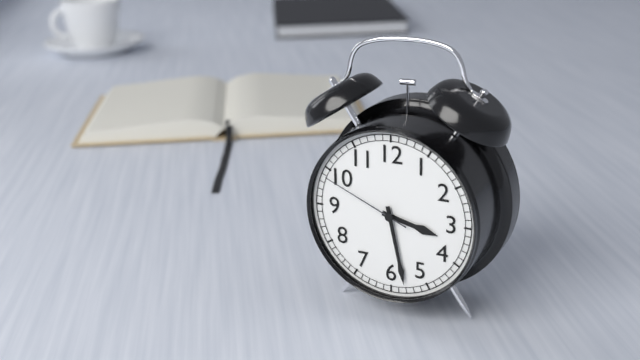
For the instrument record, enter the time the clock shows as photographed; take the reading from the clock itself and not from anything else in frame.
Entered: 3:28:49
